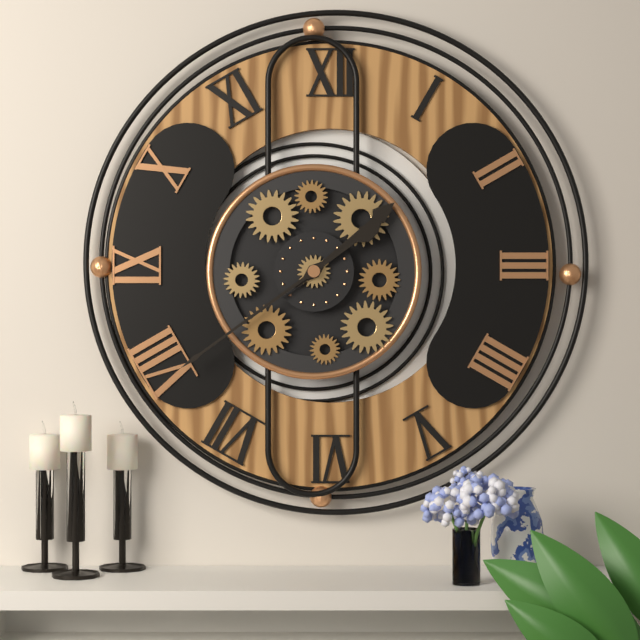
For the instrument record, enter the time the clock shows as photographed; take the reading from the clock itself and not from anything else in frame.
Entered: 1:39
